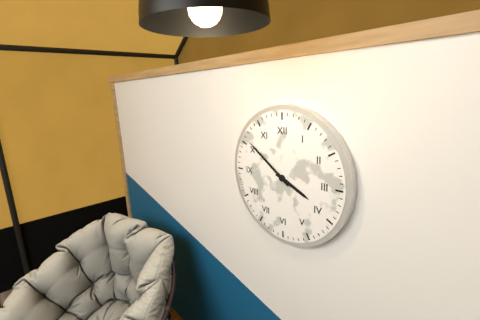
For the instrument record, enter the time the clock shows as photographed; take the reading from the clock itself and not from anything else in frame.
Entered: 3:51
